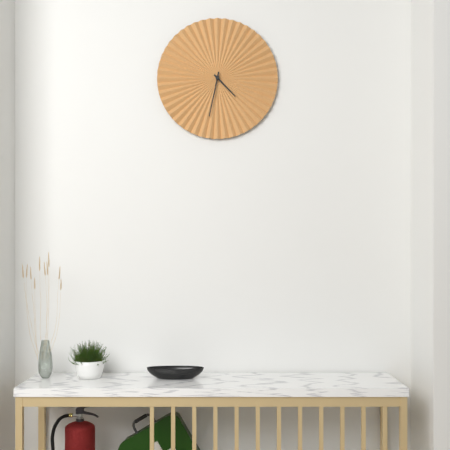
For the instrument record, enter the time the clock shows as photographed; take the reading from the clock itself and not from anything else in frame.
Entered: 4:32
